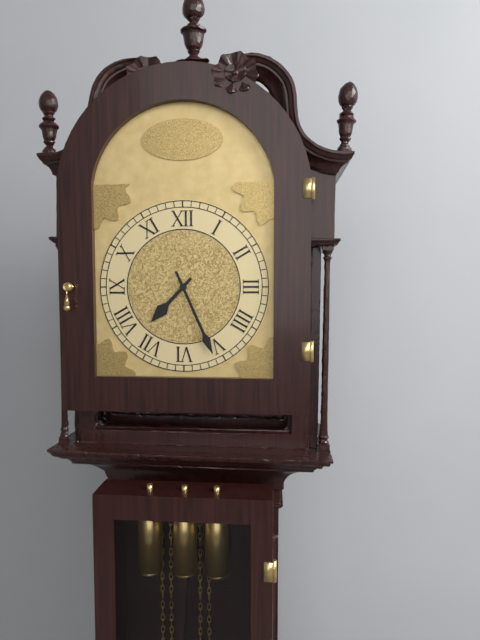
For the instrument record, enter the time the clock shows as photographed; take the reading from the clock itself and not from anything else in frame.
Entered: 7:26
